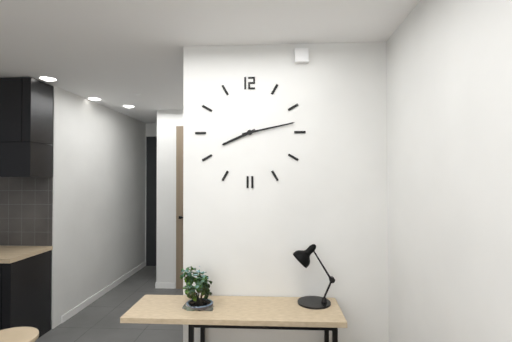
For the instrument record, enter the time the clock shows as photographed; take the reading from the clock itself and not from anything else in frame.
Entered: 8:13
